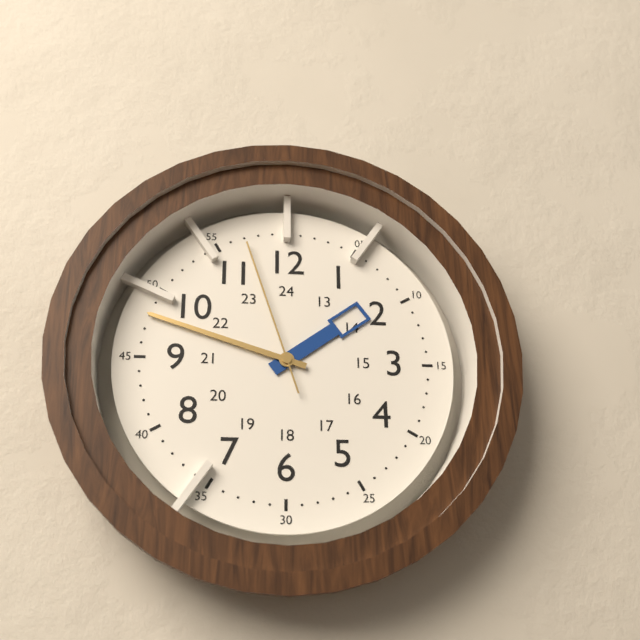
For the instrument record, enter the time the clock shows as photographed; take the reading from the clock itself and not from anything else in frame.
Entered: 1:48:57
